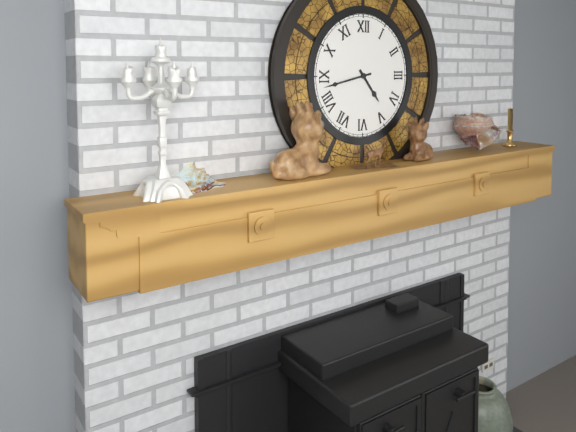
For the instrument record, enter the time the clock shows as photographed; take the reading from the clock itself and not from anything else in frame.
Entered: 4:43
